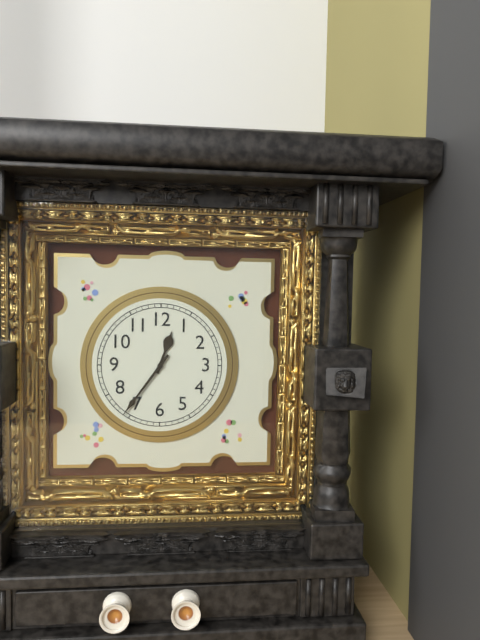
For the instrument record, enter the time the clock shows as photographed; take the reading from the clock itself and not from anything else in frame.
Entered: 12:36
